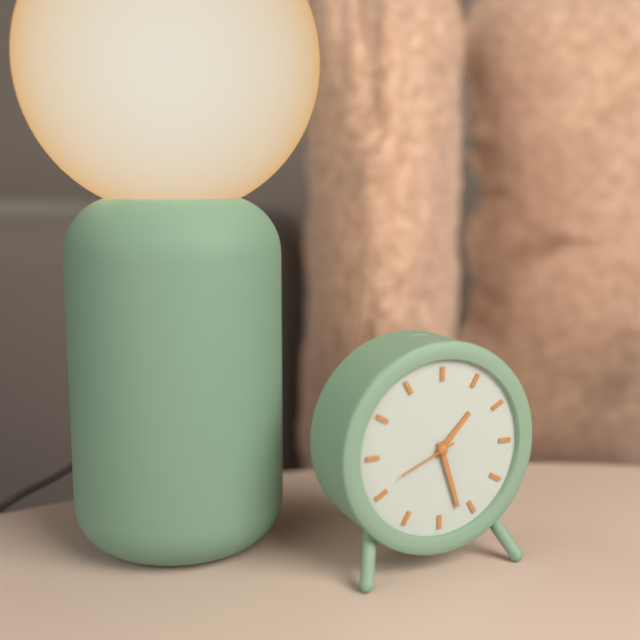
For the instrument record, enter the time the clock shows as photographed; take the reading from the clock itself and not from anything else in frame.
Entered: 1:27:41
